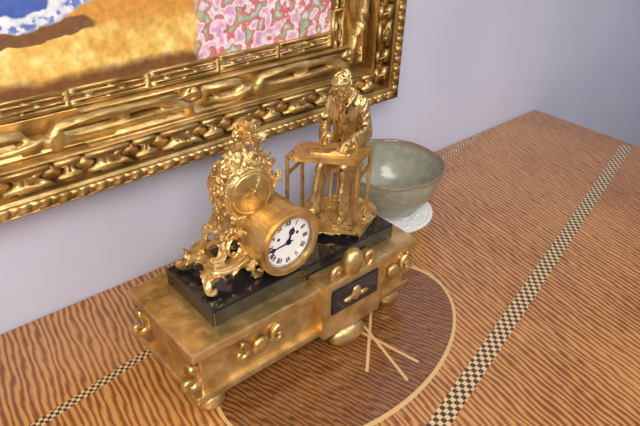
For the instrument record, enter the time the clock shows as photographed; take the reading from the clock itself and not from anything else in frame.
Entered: 12:44
